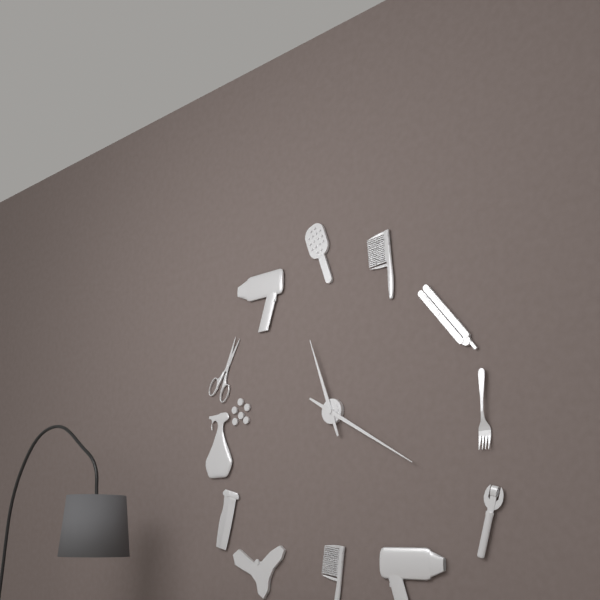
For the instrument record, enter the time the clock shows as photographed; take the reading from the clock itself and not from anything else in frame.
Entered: 11:20
